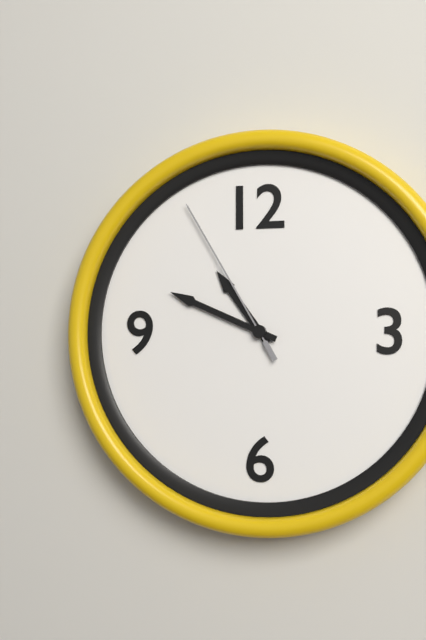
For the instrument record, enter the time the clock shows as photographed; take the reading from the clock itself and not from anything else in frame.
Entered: 10:49:55
